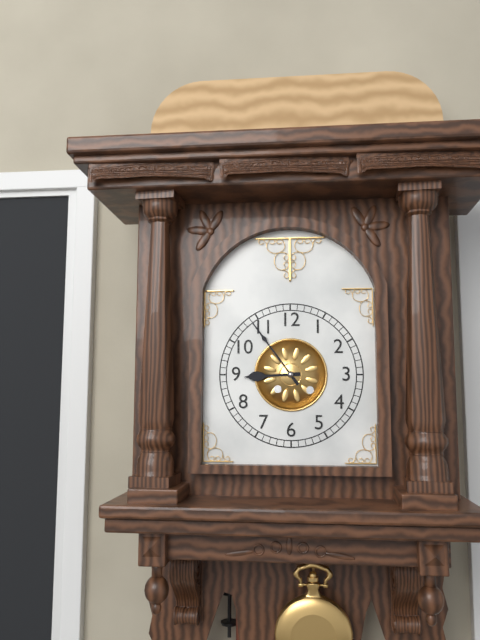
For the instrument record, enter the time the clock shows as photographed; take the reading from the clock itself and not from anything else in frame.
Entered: 8:54
